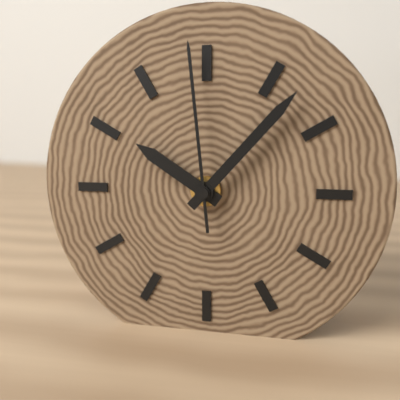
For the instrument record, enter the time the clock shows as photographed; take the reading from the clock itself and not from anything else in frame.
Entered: 10:07:59
